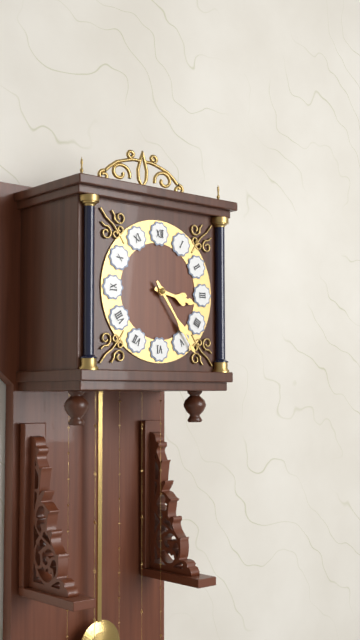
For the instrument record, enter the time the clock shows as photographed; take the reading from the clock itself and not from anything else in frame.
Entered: 3:24
